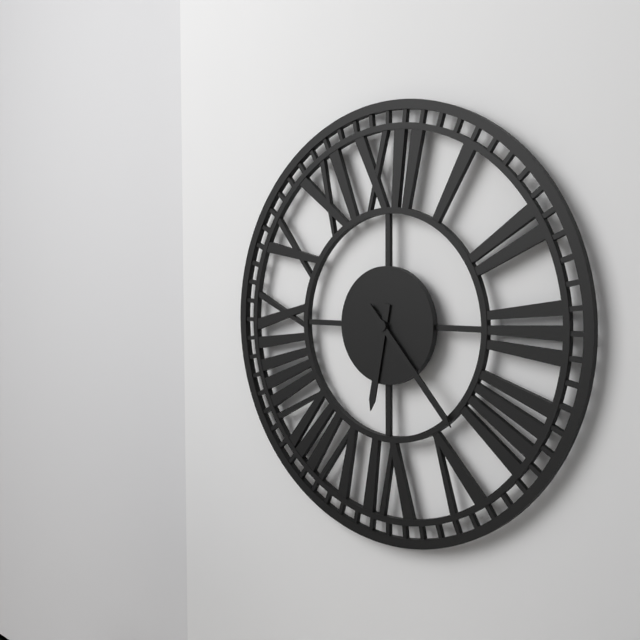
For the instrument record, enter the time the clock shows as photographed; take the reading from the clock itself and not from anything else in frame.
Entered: 6:23
